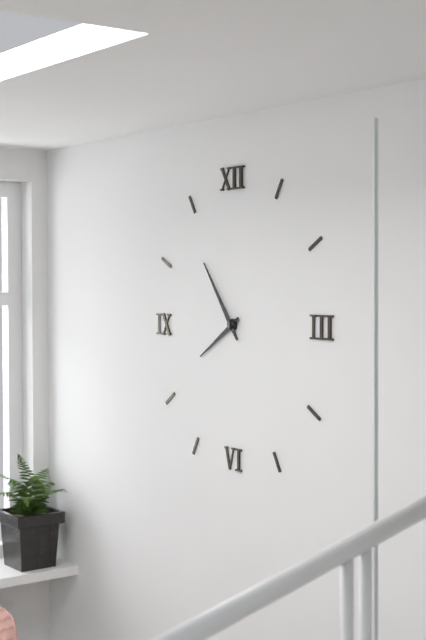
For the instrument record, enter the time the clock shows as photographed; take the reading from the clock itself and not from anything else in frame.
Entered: 7:54
